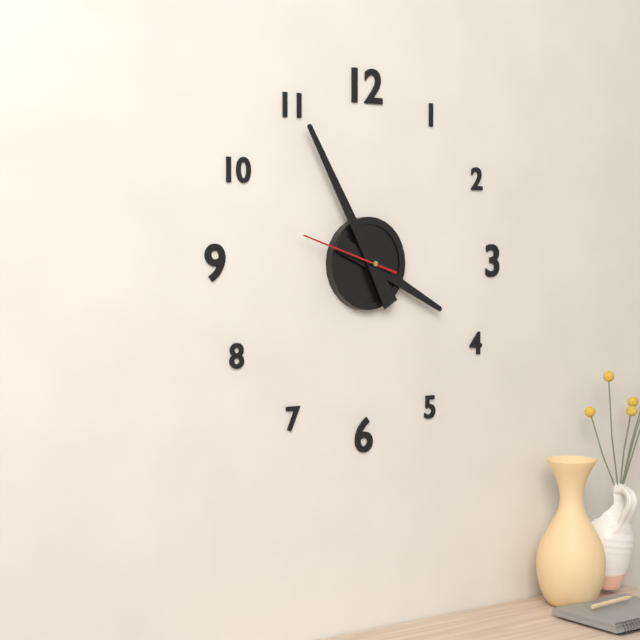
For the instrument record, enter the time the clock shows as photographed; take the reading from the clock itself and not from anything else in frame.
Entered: 3:55:48
